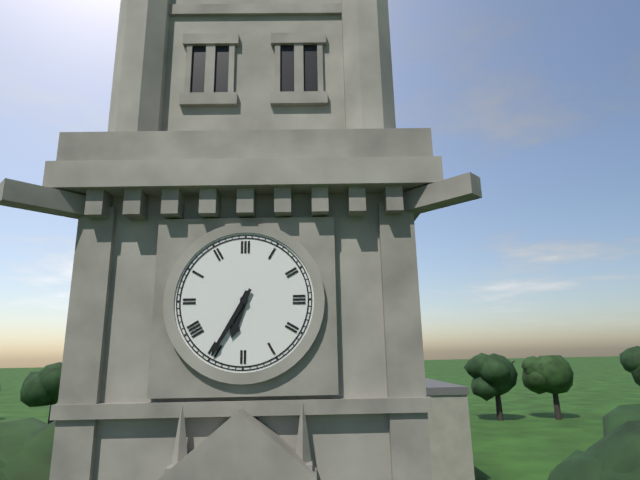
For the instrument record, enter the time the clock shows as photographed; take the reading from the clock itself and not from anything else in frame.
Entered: 6:35
